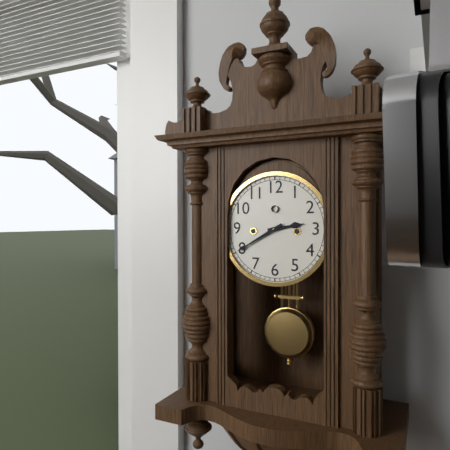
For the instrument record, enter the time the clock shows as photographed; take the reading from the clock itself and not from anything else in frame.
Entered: 2:40
